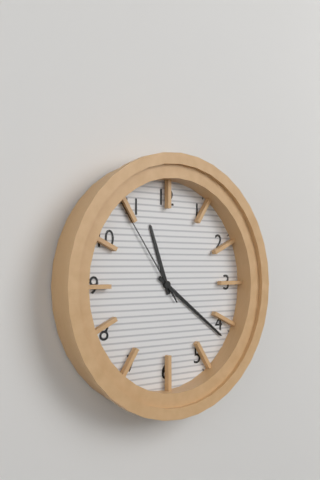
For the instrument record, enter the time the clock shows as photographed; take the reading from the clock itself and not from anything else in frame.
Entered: 11:21:54
